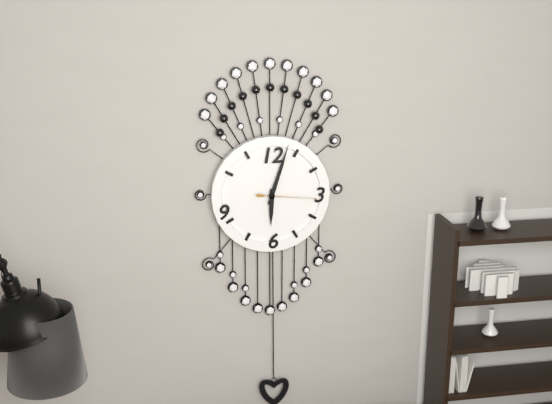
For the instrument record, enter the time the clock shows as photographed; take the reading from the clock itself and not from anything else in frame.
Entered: 6:03:16
